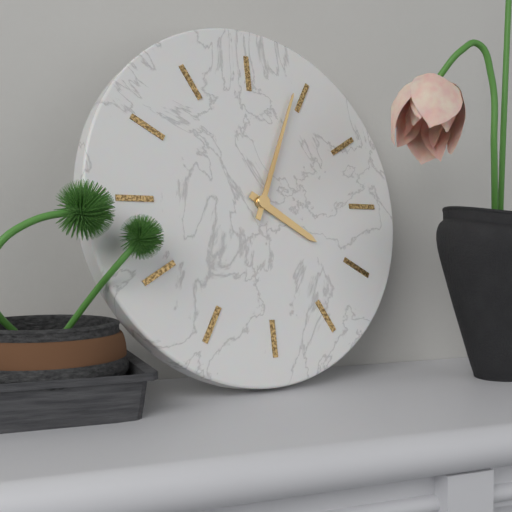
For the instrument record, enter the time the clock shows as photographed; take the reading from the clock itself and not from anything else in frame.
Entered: 4:04
